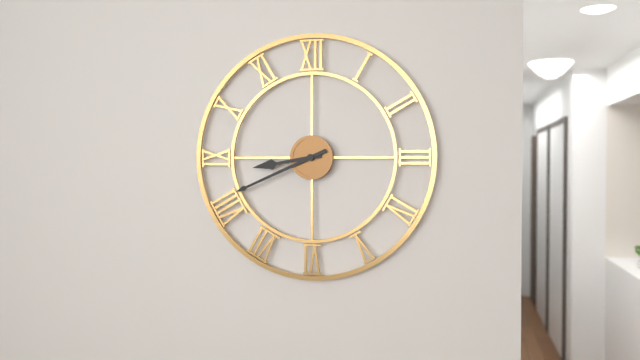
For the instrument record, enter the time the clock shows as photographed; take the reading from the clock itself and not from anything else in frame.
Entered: 8:41
